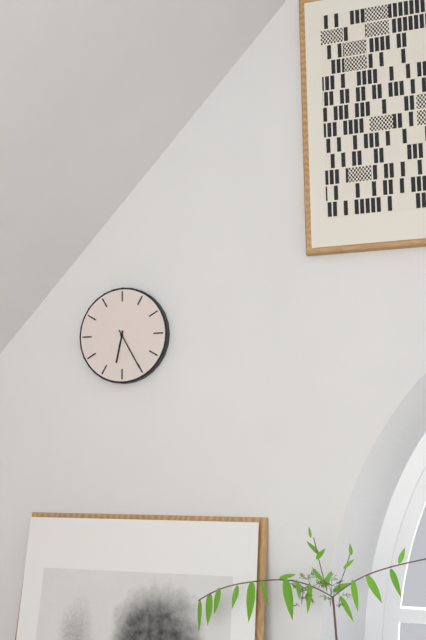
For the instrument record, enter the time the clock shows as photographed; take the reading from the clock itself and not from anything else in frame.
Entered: 6:25
